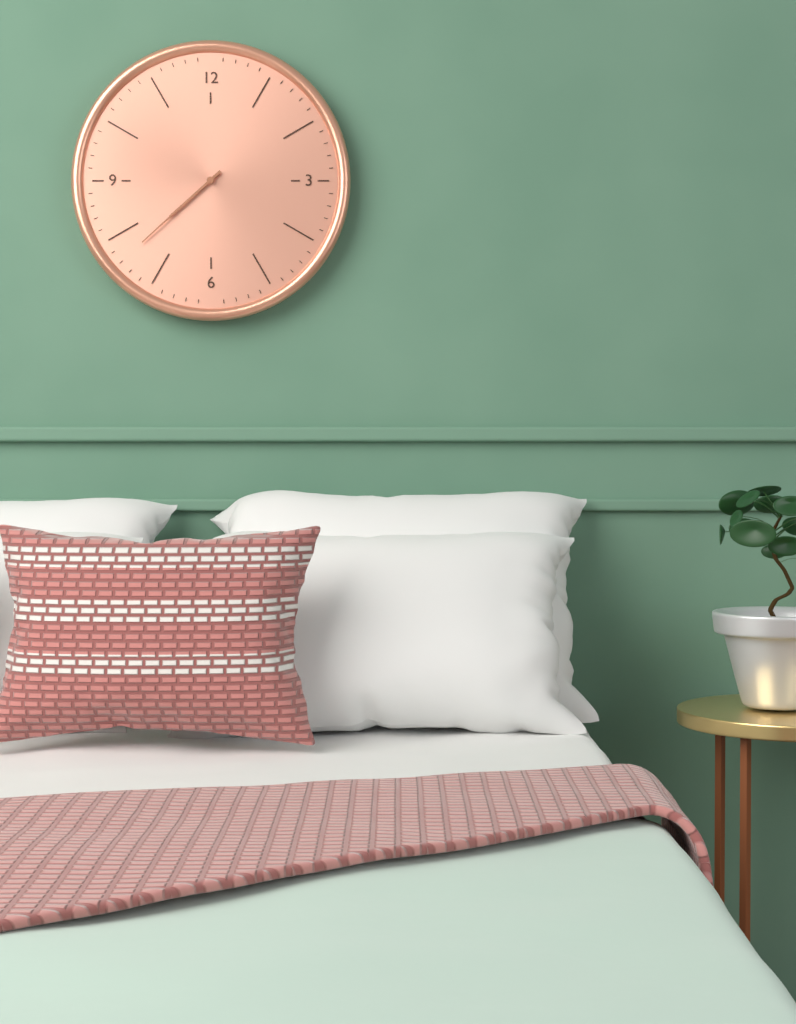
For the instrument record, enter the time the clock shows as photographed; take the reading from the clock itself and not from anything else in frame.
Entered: 7:38
